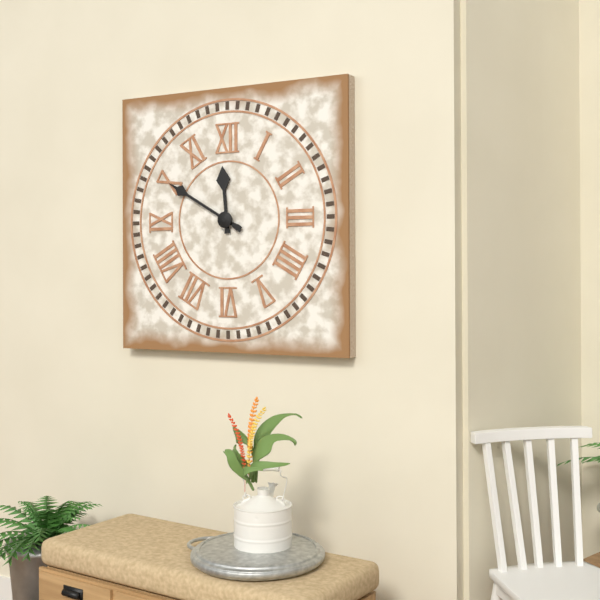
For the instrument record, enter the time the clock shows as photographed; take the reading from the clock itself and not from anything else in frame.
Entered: 11:50
